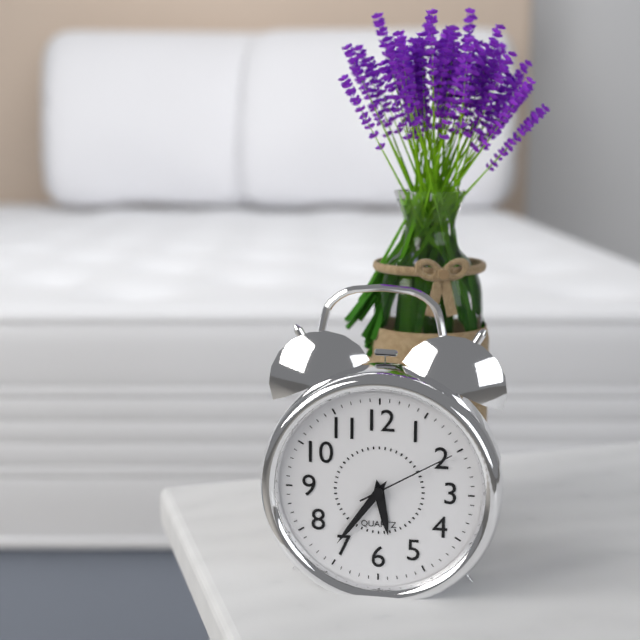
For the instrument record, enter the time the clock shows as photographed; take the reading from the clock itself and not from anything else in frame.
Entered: 5:36:10
